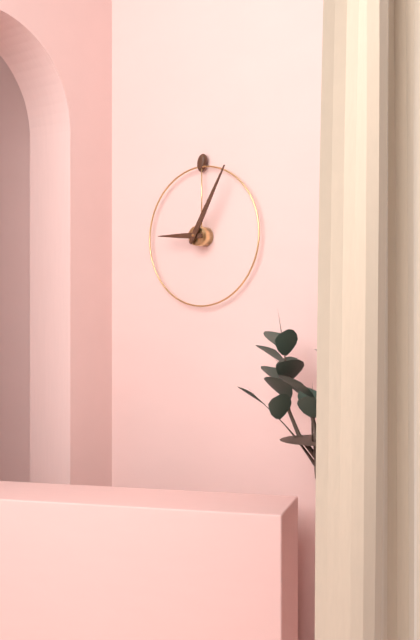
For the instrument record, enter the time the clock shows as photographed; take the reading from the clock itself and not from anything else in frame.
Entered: 9:05
